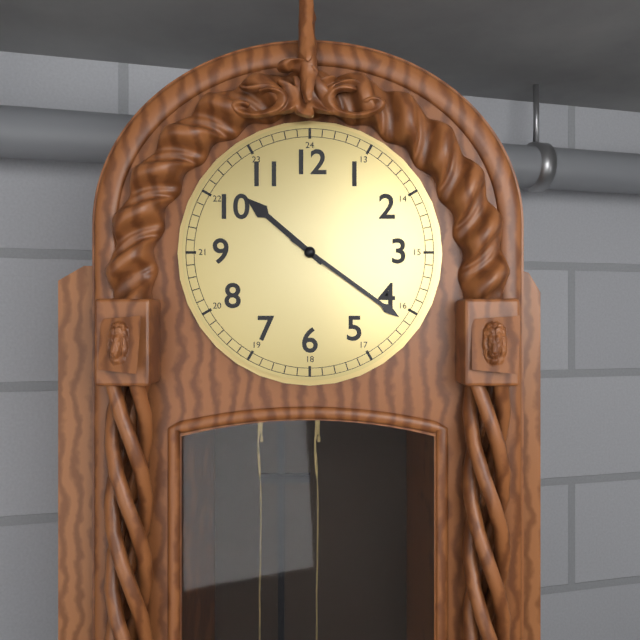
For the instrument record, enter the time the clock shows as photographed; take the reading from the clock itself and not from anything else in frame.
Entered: 10:21
